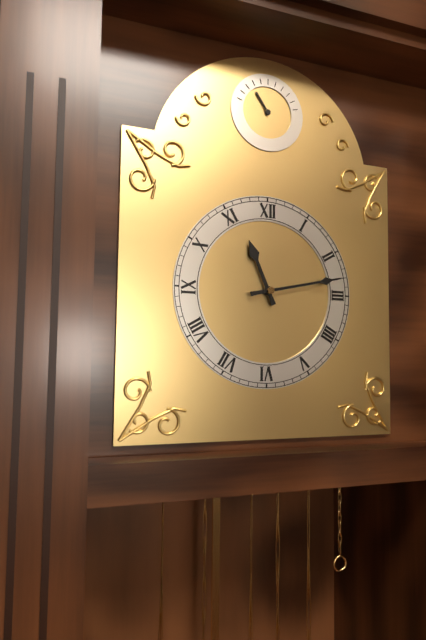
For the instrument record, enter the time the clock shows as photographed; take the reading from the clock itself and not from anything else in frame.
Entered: 11:13
